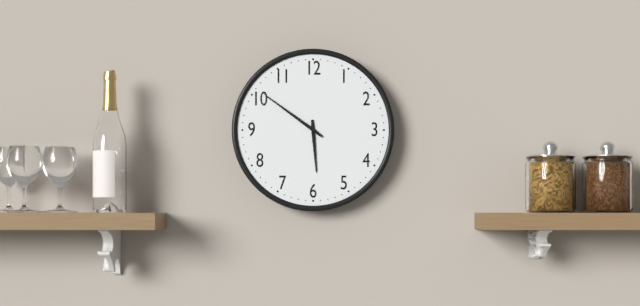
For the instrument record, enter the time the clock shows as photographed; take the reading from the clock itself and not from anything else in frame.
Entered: 5:51
